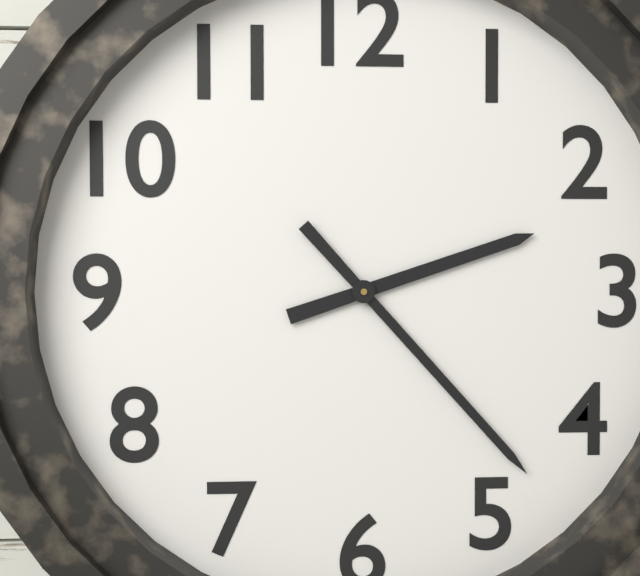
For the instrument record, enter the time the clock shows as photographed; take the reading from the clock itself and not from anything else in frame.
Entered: 2:23
